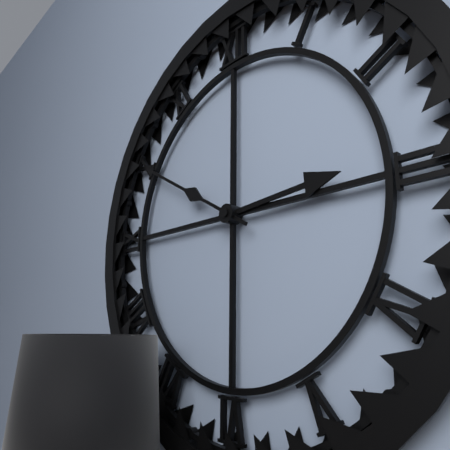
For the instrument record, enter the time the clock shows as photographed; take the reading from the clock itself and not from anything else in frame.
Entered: 2:50
